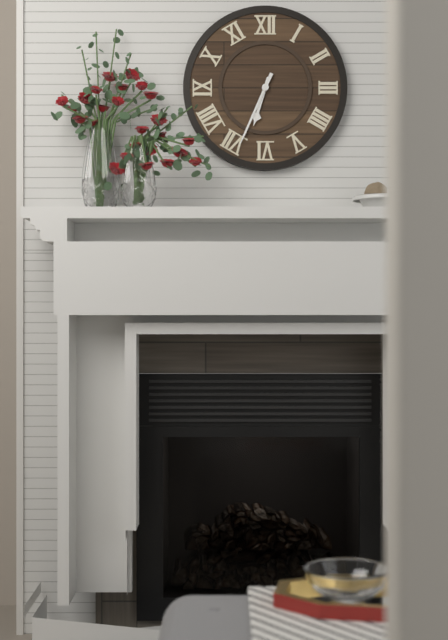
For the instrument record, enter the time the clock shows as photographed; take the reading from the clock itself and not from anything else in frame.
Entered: 6:34
